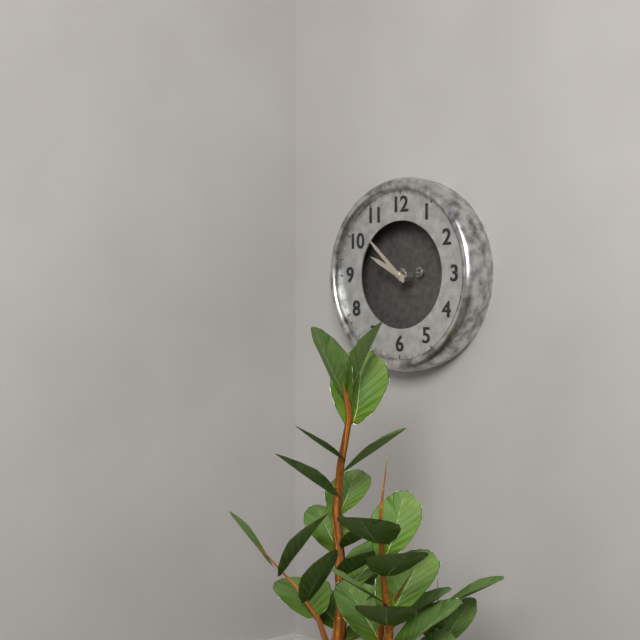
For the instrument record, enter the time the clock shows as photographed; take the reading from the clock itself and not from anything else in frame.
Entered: 9:52
